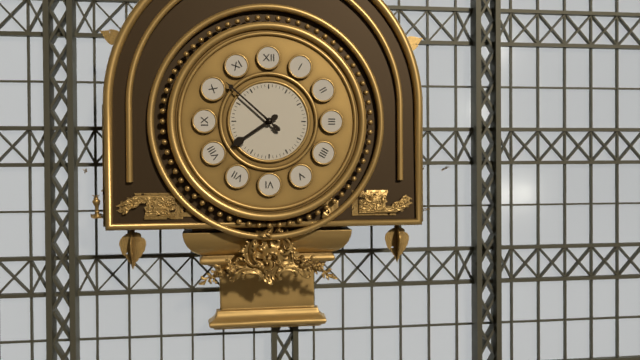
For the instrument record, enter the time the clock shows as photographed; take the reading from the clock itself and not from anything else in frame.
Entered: 7:52
